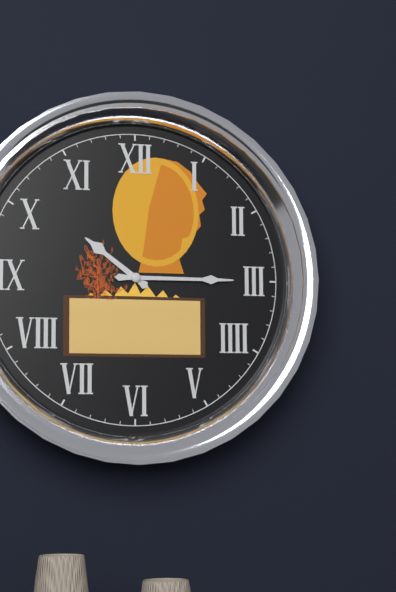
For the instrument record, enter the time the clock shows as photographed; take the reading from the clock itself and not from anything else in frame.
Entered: 10:15
